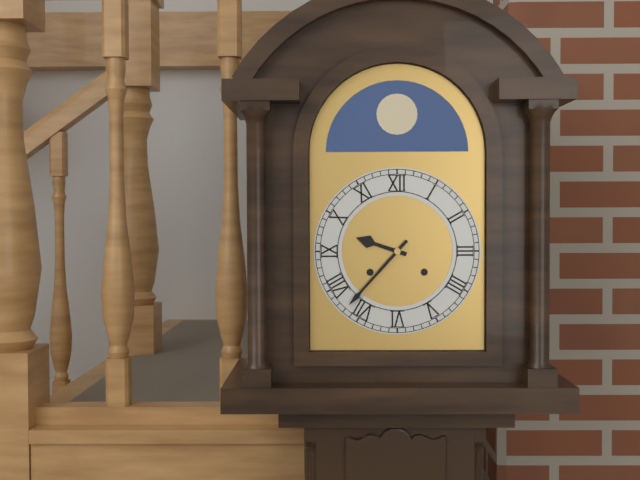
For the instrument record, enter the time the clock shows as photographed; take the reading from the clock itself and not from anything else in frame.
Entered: 9:37
